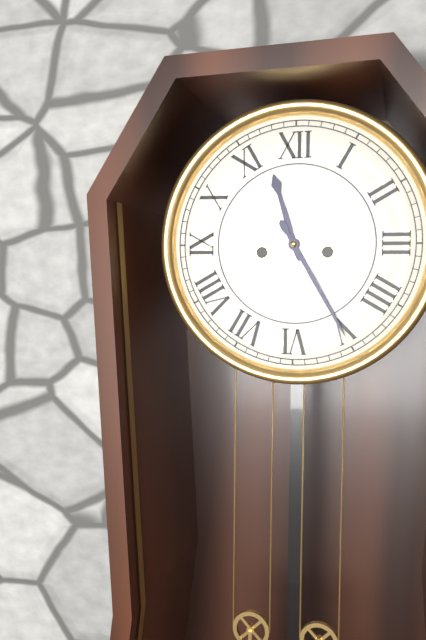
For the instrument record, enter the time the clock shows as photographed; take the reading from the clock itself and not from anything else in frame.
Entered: 11:25
